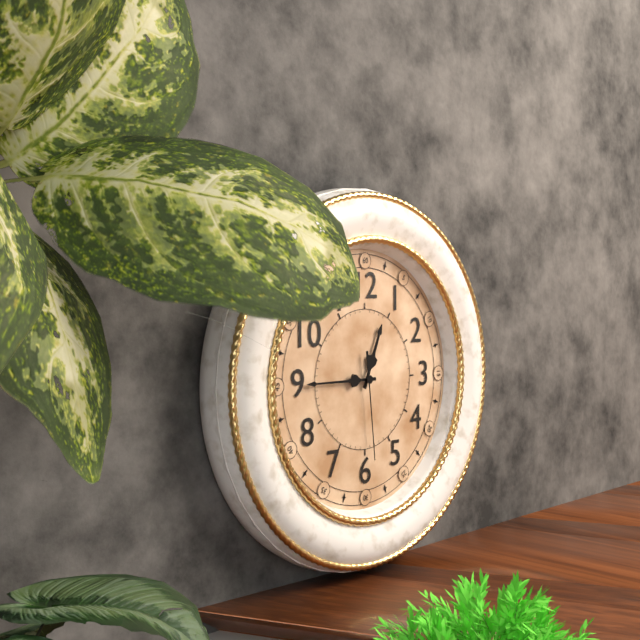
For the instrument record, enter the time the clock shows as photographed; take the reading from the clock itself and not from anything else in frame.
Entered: 12:45:29
